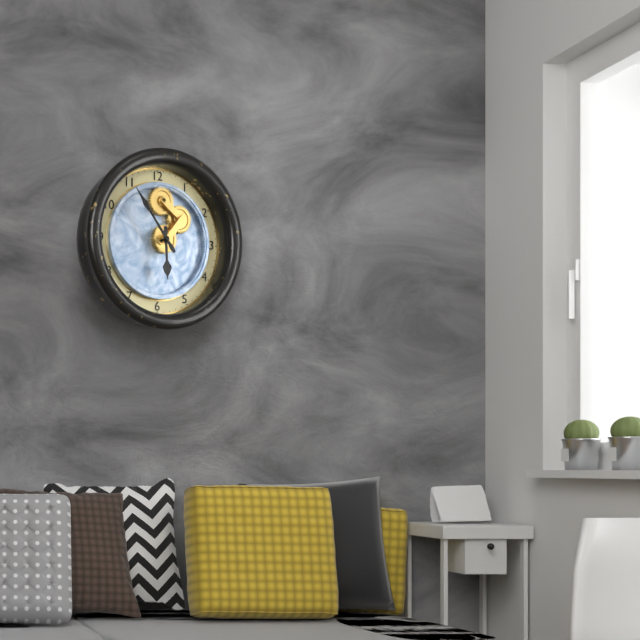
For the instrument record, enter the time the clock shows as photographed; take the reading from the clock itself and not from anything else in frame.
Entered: 5:54
